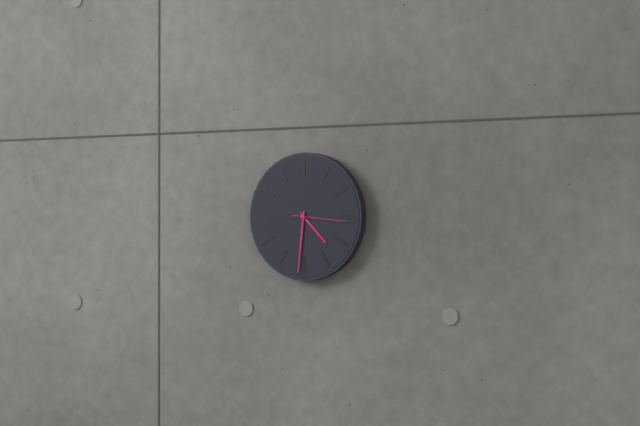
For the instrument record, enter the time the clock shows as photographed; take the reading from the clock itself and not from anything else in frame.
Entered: 4:31:16
